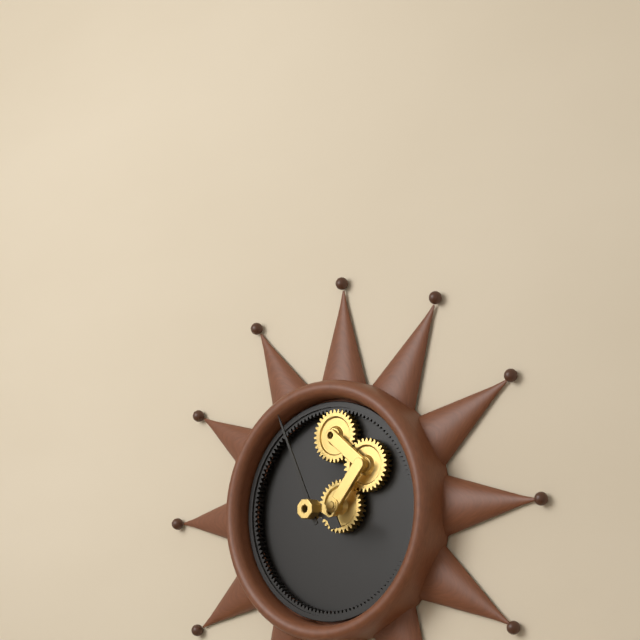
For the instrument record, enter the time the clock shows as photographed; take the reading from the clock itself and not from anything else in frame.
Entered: 3:56
